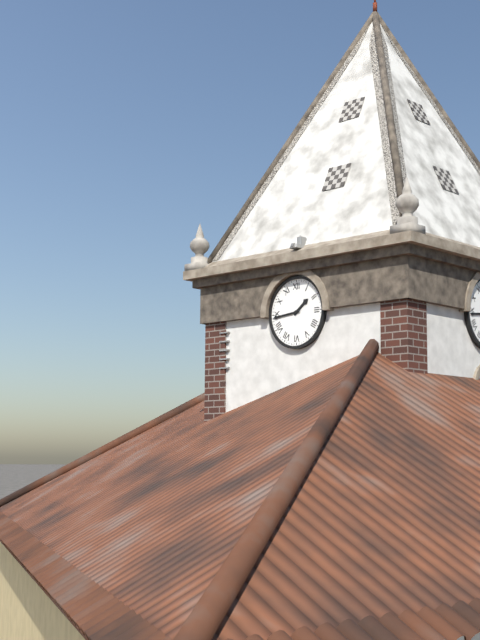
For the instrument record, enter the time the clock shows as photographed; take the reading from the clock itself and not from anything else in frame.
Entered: 1:44
